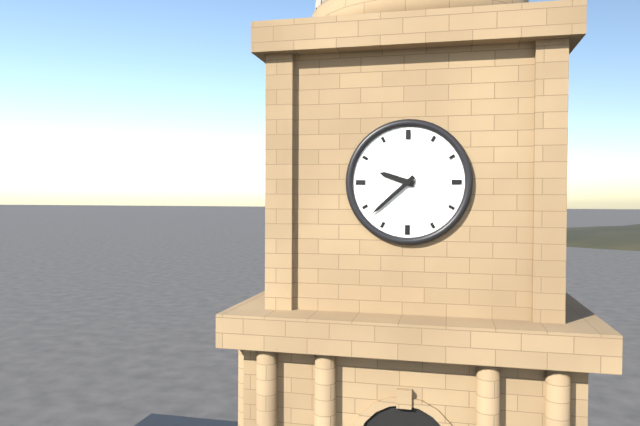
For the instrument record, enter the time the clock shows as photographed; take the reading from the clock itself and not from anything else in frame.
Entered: 9:38
